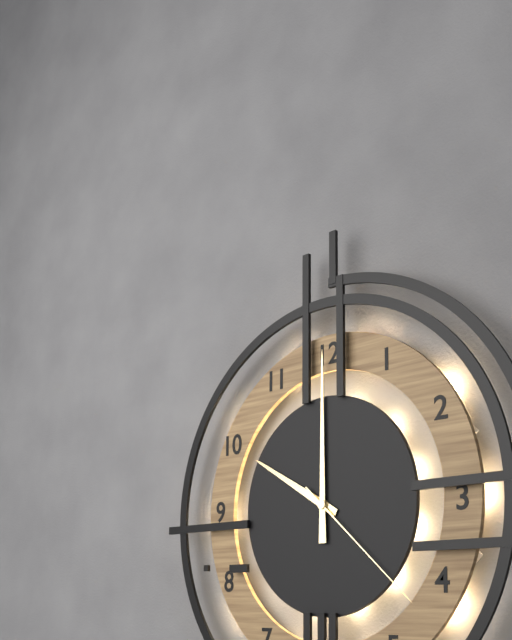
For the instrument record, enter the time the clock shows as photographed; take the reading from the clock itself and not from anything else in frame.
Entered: 10:00:22
